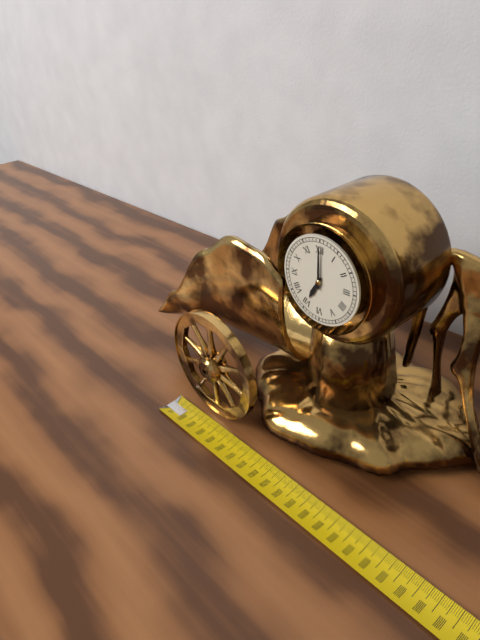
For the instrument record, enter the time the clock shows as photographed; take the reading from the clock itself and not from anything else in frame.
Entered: 7:00
